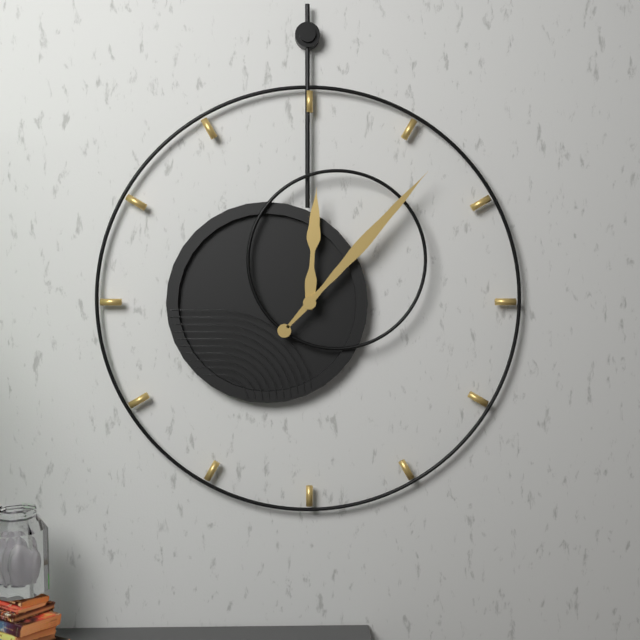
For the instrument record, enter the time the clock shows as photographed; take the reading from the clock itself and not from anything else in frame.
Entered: 12:07
